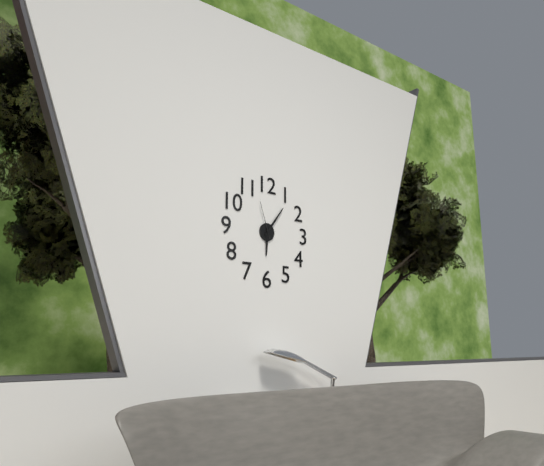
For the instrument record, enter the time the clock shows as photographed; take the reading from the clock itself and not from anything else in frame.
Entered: 6:06
